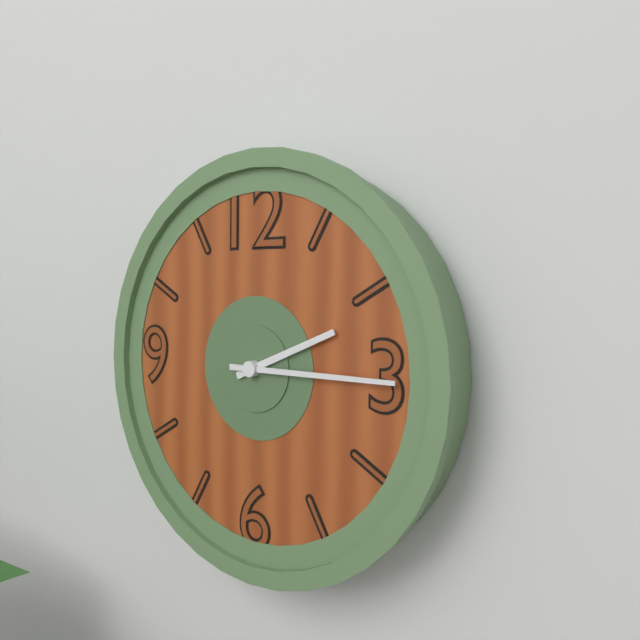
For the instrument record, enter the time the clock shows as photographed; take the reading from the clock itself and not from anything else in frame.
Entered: 2:15
